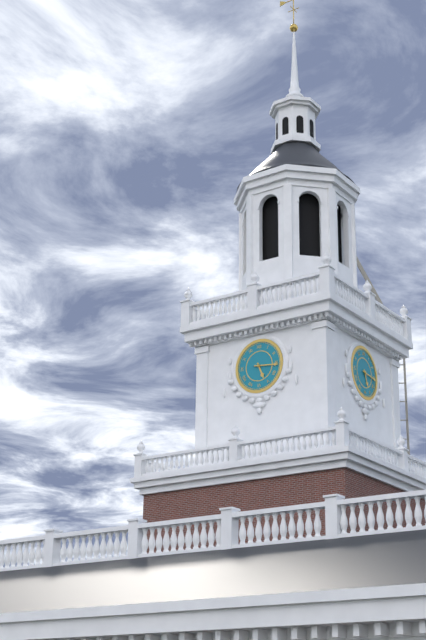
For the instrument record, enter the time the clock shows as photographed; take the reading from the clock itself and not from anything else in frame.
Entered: 5:16
